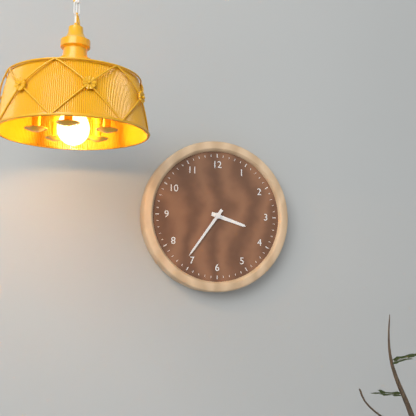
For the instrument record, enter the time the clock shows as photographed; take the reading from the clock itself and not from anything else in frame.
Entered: 3:36
